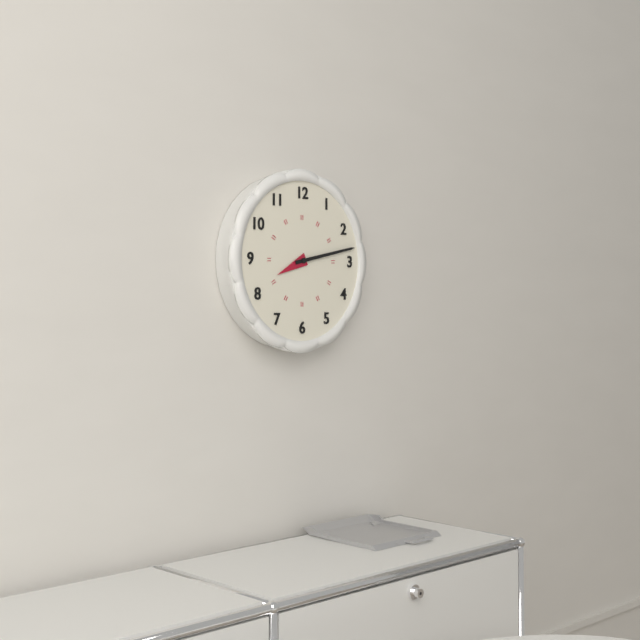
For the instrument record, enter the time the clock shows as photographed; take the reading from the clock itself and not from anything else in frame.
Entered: 8:13
